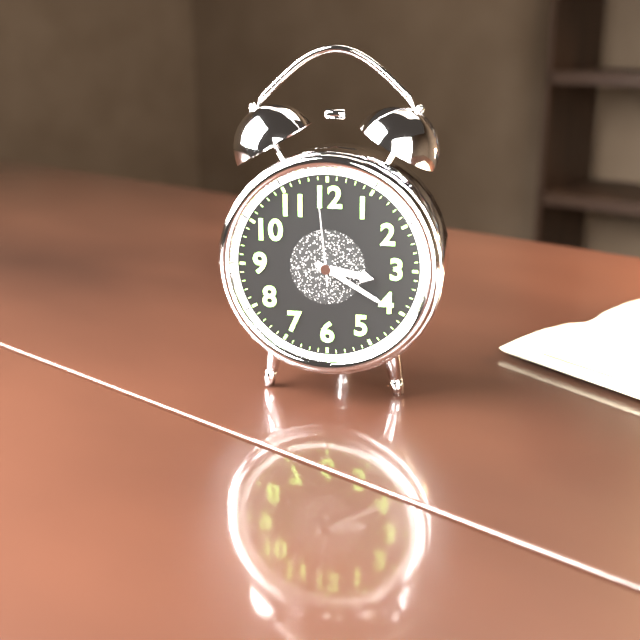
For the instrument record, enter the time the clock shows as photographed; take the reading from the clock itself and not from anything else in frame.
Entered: 3:20:59
